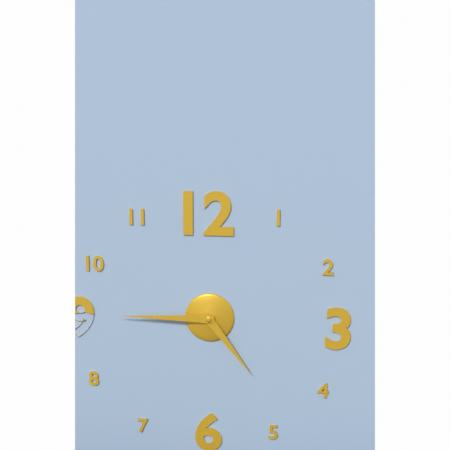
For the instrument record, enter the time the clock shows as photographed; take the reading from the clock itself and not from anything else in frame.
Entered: 4:45
